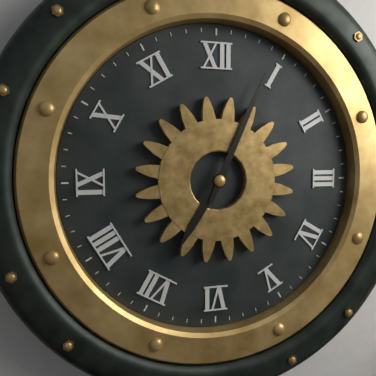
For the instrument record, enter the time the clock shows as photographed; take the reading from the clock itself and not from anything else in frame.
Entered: 7:04
